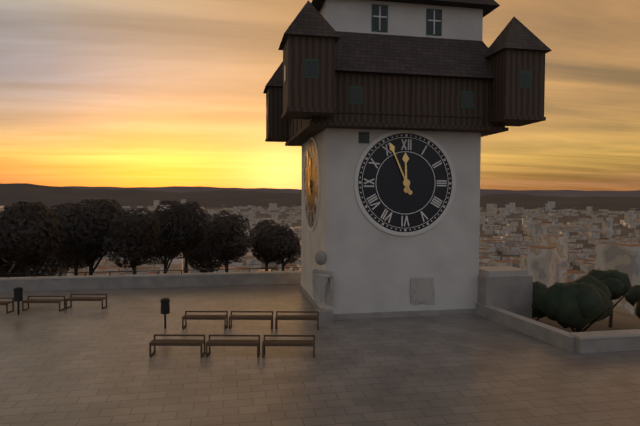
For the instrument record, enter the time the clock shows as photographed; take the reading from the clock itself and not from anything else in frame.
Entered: 11:56
